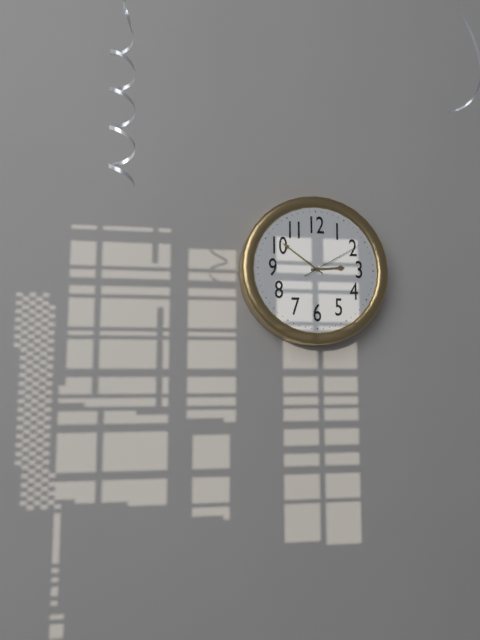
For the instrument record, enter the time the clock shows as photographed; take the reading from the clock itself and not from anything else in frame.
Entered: 2:51:10
